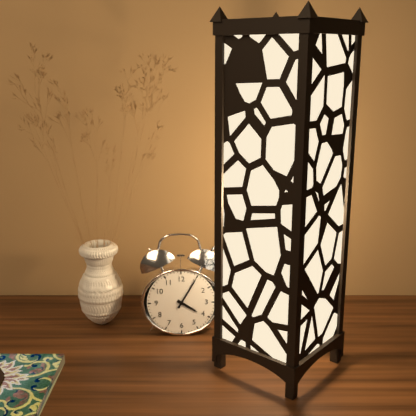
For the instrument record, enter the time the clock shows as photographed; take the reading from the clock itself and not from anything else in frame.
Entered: 4:05
